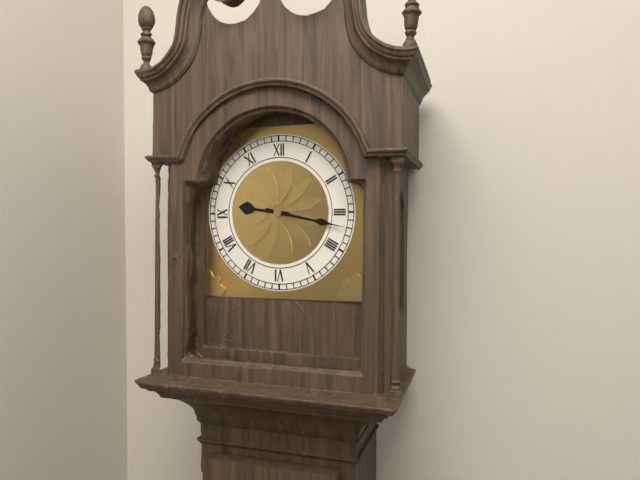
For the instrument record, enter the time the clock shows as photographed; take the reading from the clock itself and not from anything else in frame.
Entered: 9:17
